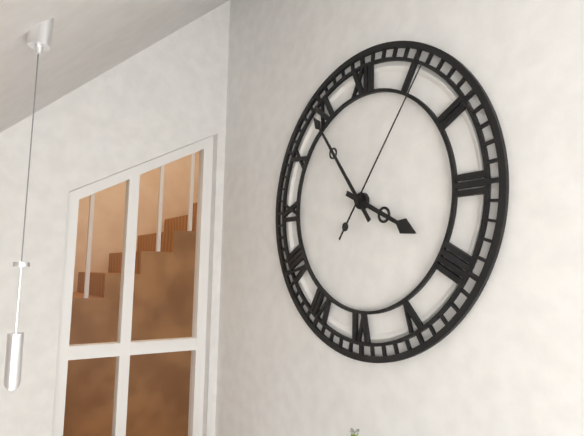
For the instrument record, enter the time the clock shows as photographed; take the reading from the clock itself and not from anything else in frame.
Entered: 3:54:06
